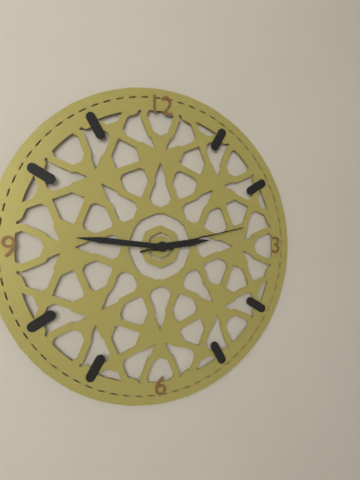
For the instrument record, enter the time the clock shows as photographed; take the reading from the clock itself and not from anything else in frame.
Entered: 2:46:13
